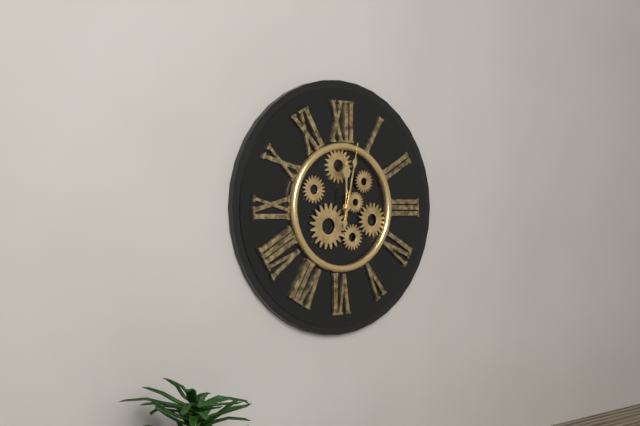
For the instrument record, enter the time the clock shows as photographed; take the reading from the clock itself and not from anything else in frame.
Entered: 12:02
